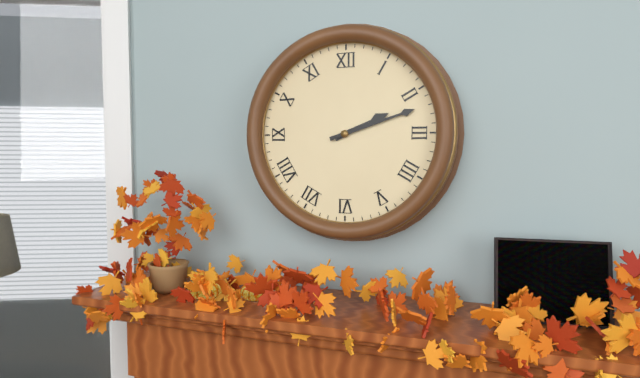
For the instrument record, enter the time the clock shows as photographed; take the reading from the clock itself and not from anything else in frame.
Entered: 2:12
